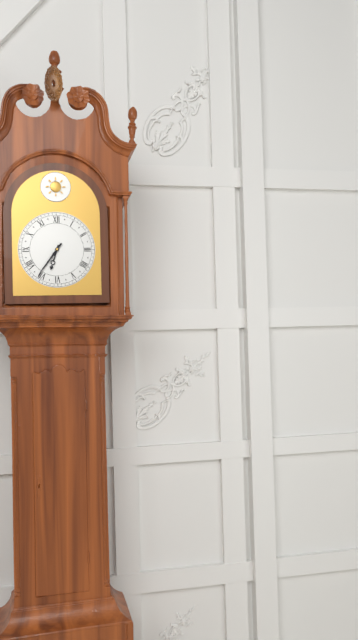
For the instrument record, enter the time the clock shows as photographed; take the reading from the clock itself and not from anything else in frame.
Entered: 6:36
